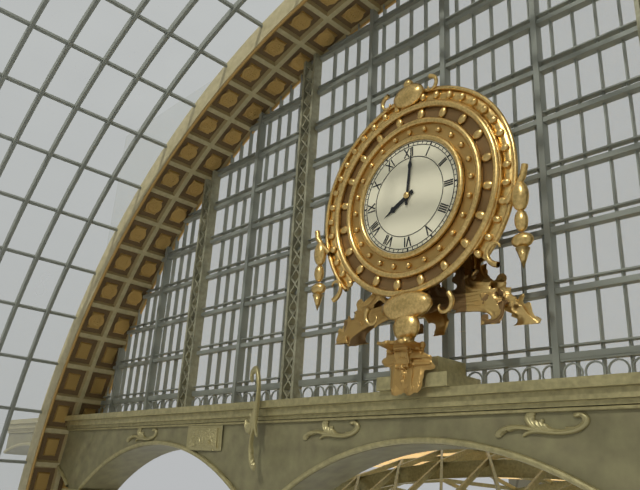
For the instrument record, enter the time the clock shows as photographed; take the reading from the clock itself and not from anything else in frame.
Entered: 8:01
